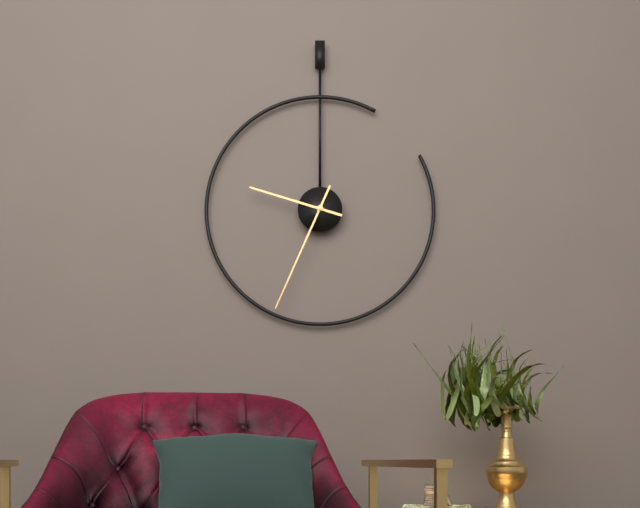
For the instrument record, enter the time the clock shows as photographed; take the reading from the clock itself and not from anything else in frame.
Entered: 9:34
